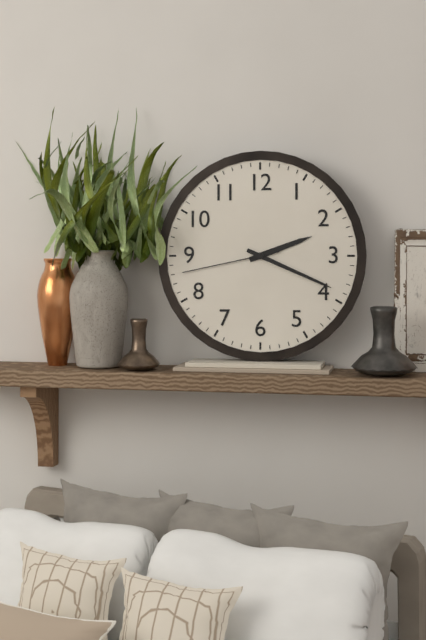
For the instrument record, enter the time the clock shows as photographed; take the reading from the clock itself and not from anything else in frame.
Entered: 2:19:43
